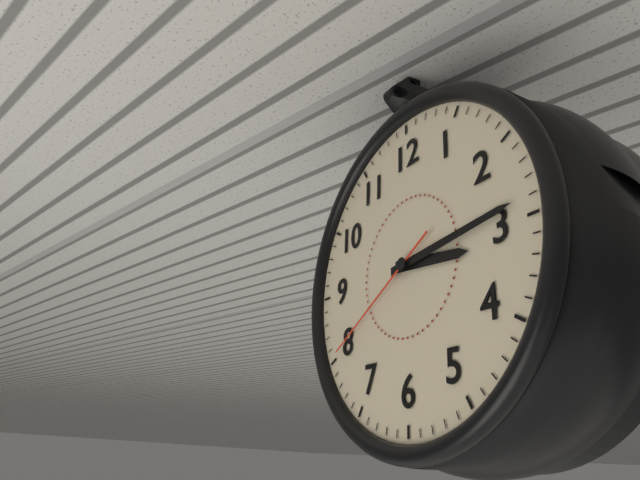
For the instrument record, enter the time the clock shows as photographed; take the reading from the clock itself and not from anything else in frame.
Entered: 3:14:40
